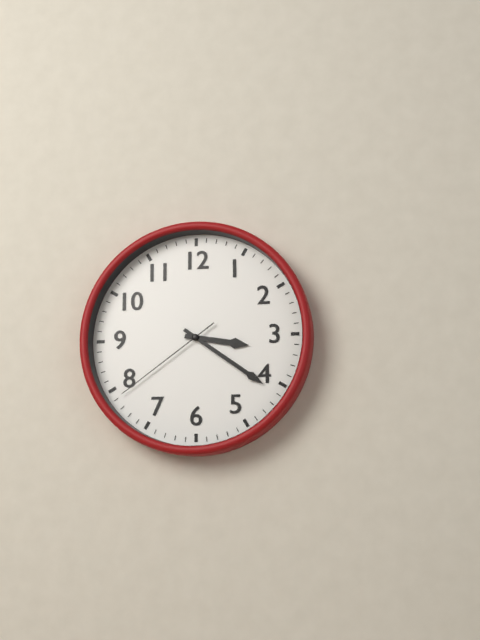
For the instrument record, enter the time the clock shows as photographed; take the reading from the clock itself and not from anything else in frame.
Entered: 3:21:39
